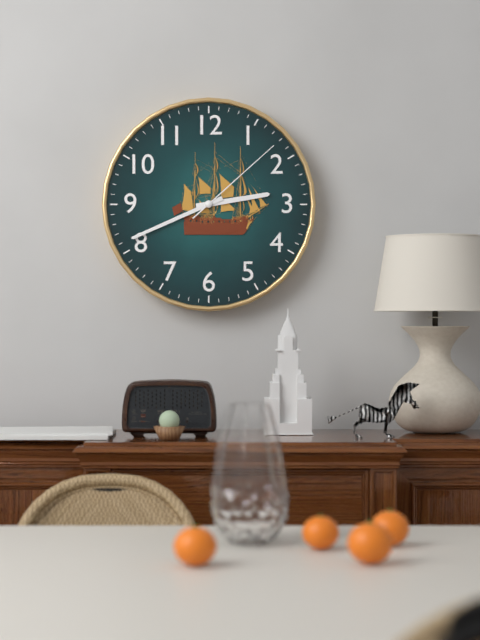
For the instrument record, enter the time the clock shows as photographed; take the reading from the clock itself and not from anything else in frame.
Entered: 2:41:08
